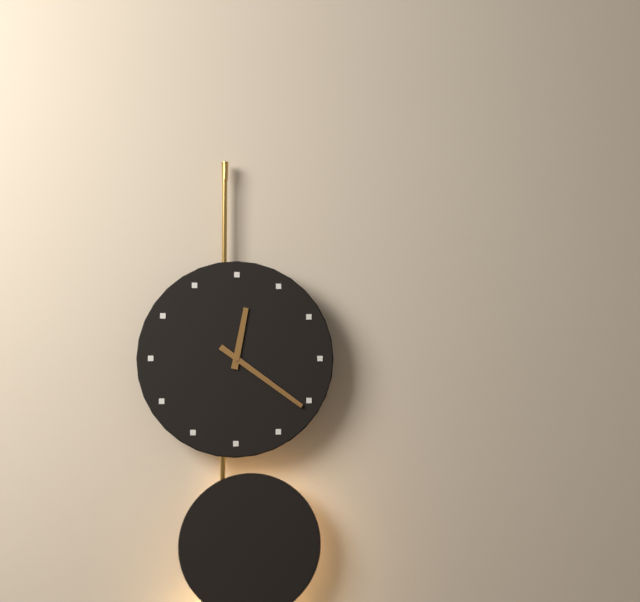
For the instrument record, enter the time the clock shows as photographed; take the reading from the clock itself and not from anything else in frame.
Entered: 12:21
